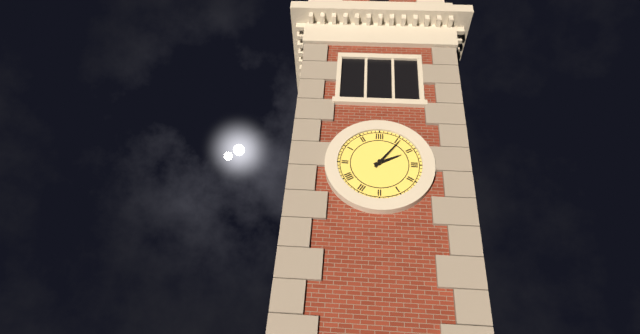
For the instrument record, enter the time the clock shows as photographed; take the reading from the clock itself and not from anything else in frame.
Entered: 2:06
